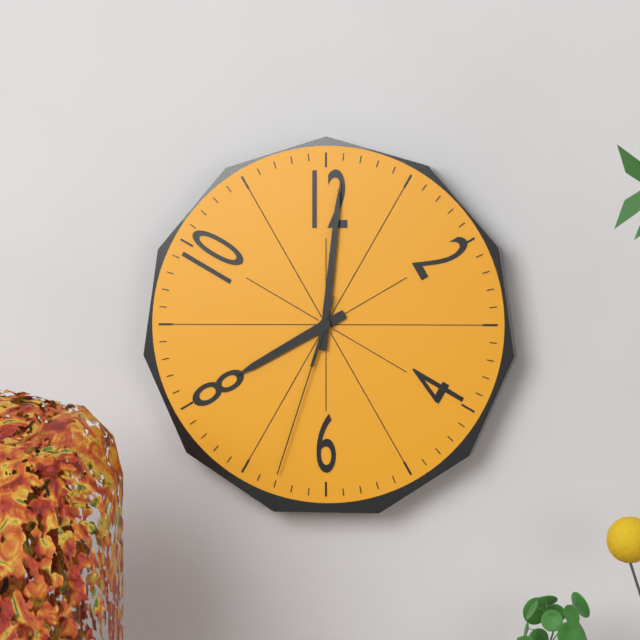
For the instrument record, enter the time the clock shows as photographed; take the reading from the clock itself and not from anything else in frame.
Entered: 8:01:33
